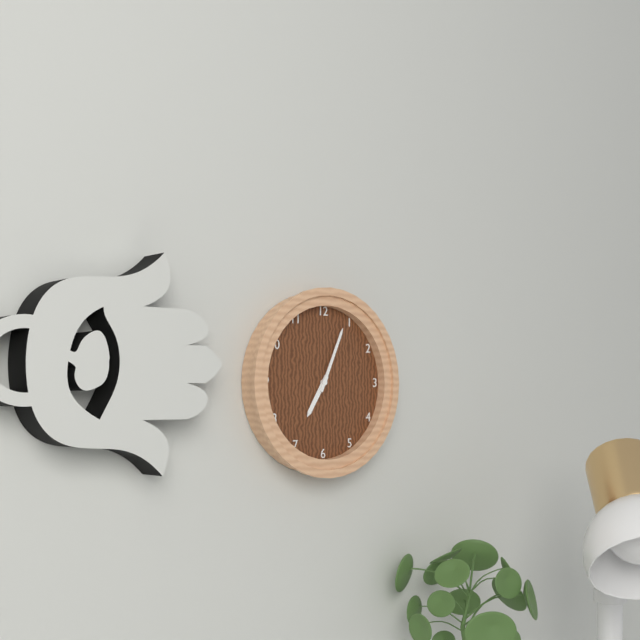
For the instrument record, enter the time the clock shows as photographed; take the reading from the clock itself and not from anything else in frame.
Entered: 7:04
